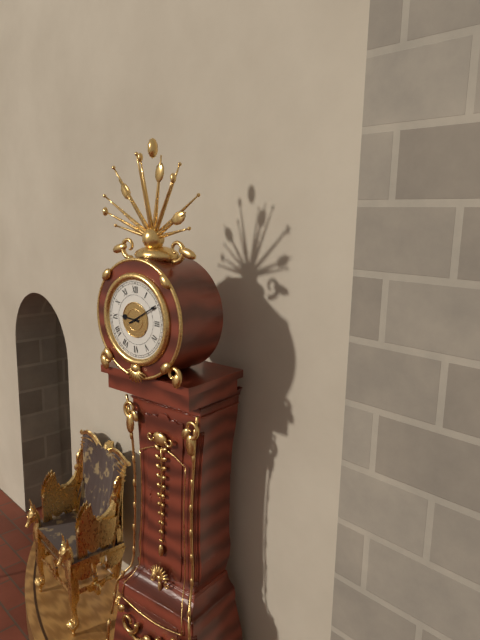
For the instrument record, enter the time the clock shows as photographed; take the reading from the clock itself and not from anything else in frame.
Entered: 9:10
